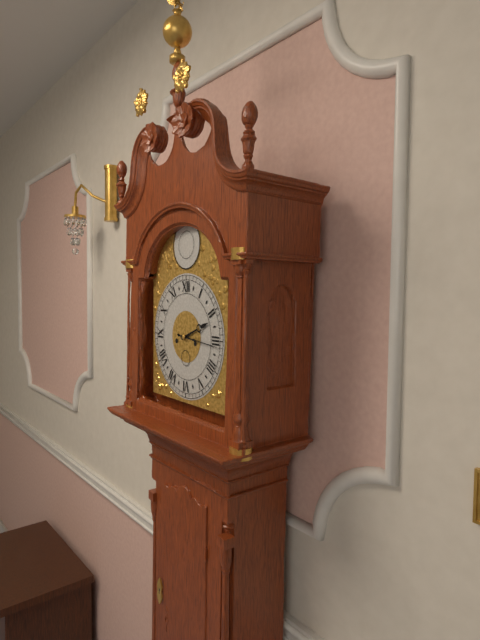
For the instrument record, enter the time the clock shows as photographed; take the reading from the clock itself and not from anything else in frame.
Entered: 2:16
